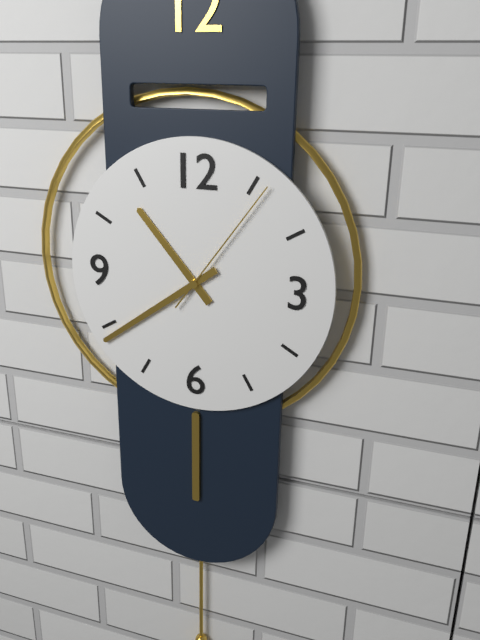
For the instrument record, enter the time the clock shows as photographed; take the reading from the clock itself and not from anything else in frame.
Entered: 10:39:06
